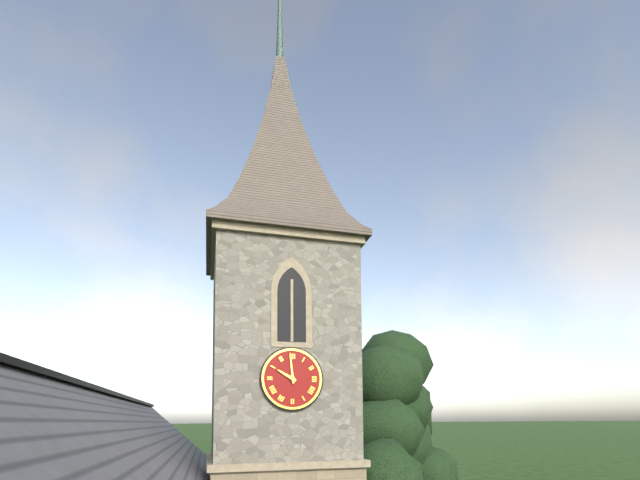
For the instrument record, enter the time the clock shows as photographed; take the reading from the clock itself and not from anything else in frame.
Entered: 9:59
